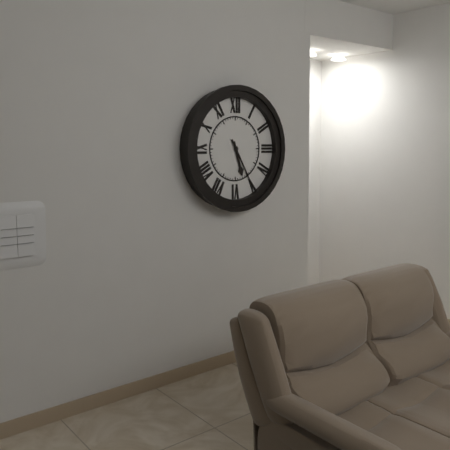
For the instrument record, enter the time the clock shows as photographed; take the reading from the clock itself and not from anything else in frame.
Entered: 5:25
